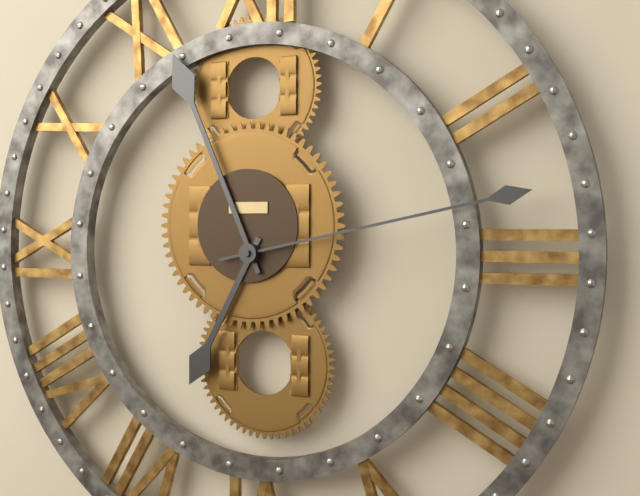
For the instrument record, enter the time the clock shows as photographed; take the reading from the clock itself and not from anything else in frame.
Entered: 6:56:13
